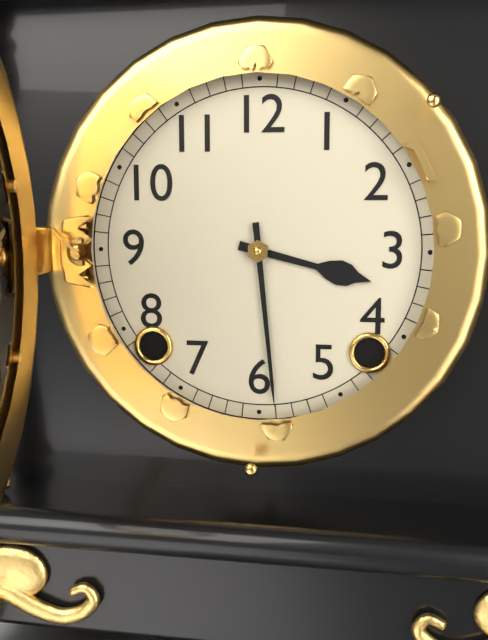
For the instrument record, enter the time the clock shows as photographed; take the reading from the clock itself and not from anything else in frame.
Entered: 3:29
